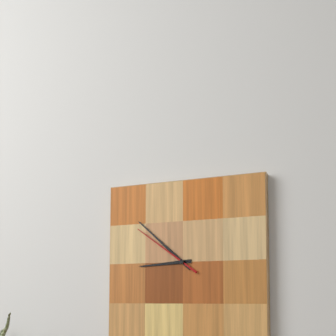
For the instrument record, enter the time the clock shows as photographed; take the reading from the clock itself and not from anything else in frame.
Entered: 8:52:51
